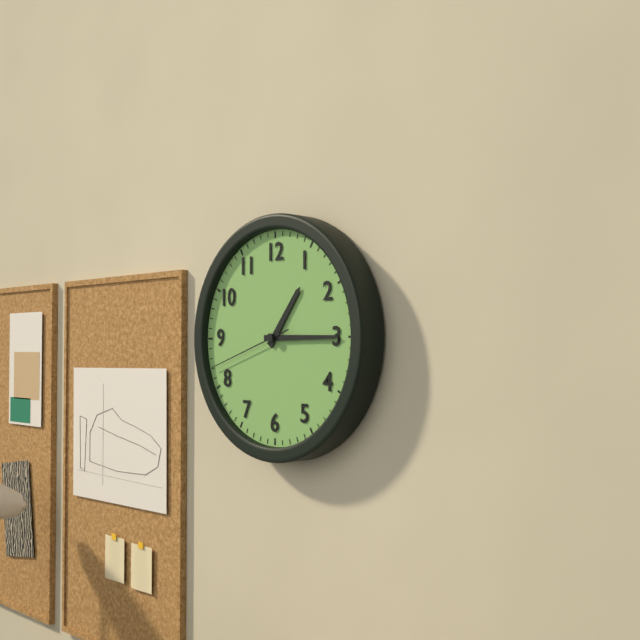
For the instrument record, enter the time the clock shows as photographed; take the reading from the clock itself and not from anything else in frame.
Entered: 1:15:42
